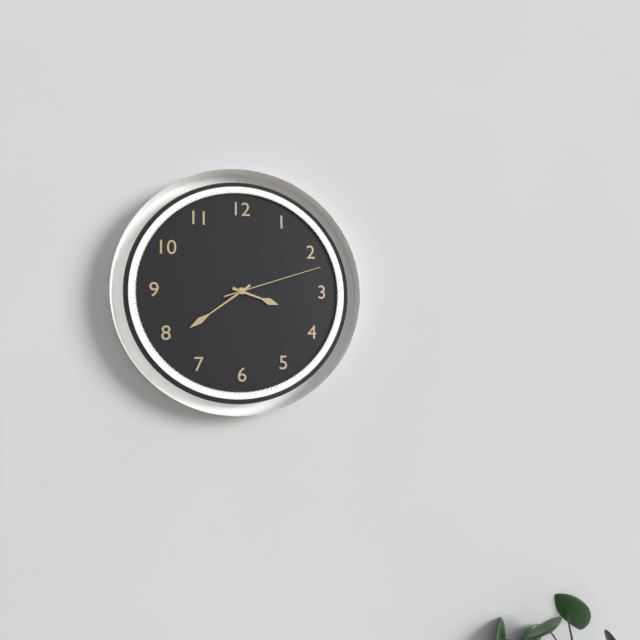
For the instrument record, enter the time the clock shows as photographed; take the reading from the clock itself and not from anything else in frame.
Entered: 3:39:12
